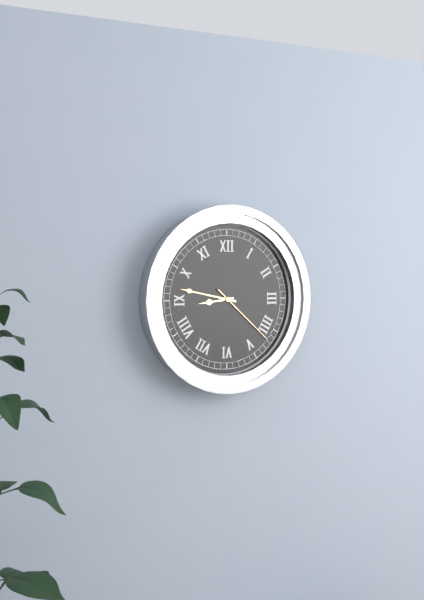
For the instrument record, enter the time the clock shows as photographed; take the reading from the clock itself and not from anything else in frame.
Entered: 8:47:22
